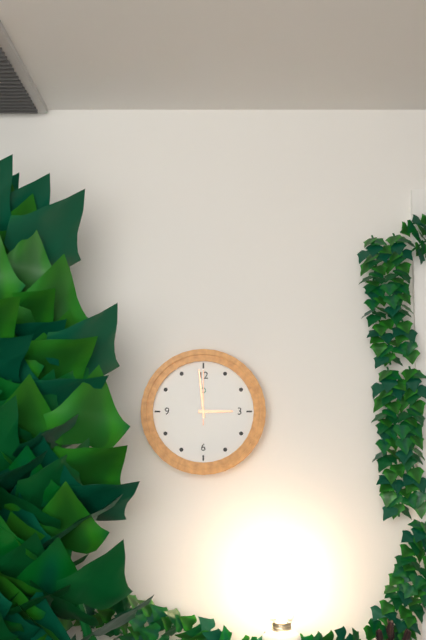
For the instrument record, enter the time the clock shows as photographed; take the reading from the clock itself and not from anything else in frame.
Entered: 2:59:00
